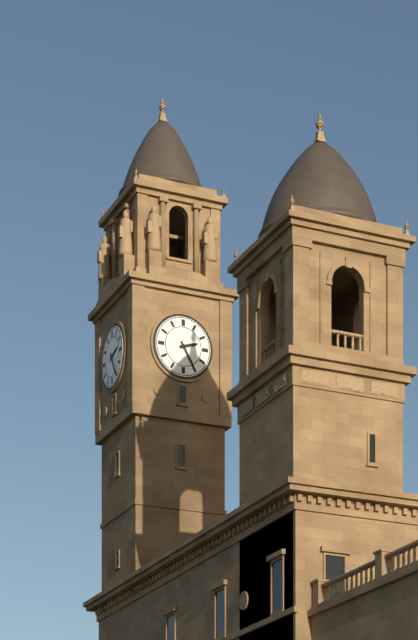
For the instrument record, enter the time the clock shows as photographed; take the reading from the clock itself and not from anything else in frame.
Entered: 2:25
